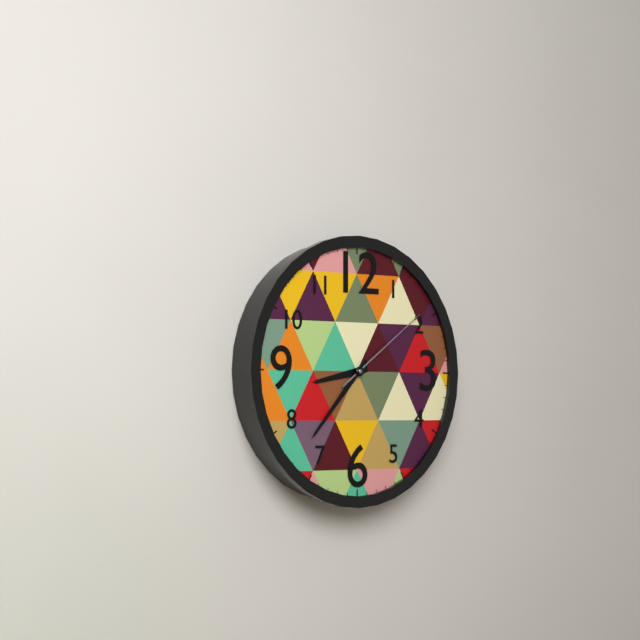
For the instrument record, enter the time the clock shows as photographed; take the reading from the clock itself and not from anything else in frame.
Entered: 8:37:09
